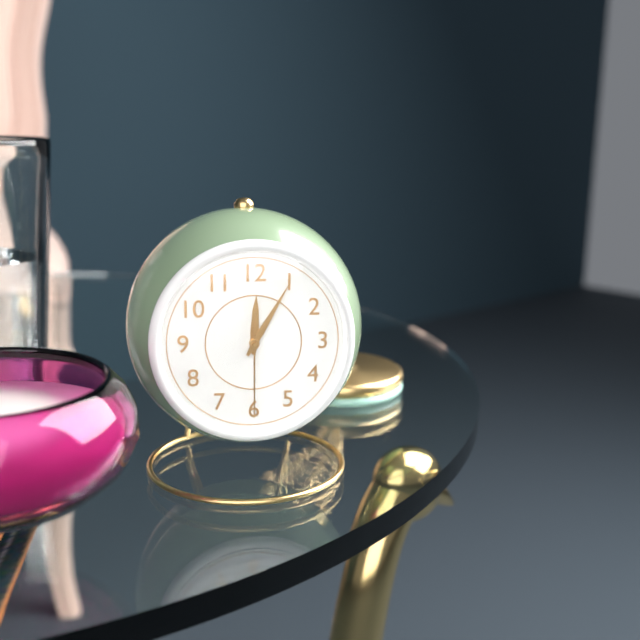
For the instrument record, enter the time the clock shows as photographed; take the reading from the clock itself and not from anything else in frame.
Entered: 12:05:30
